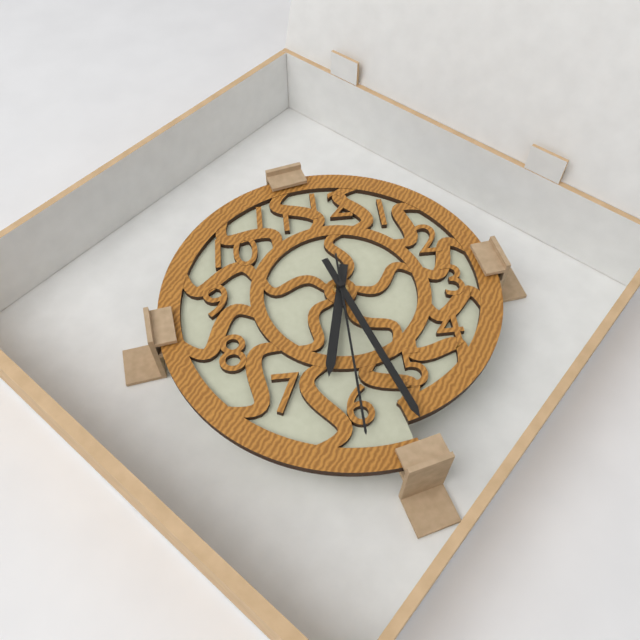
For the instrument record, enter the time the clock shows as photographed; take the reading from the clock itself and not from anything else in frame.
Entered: 6:27:30
